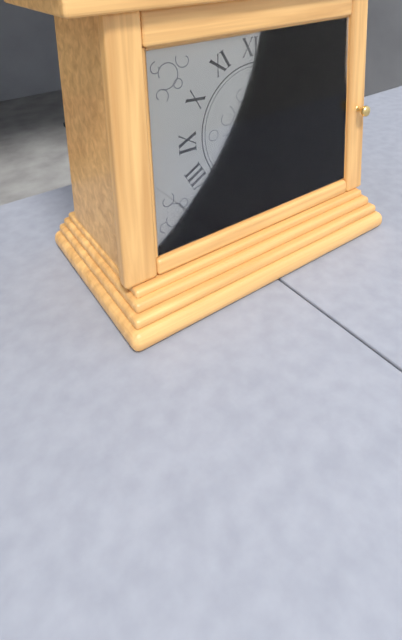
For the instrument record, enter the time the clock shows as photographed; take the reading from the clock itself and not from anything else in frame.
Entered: 7:16:38
